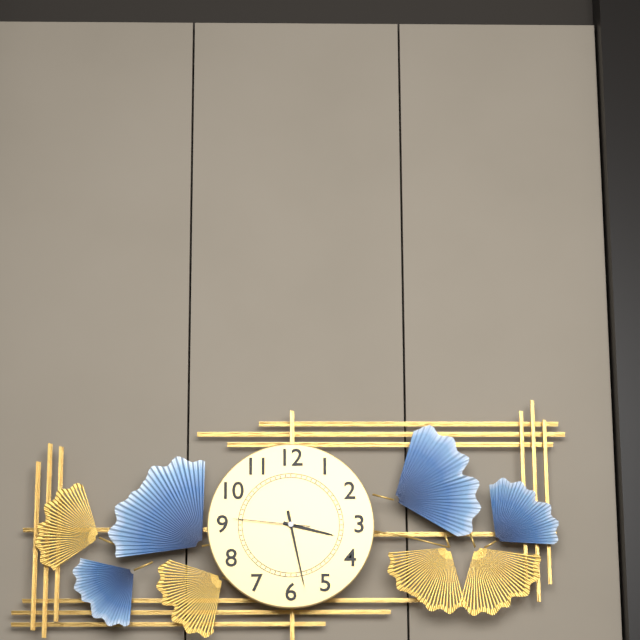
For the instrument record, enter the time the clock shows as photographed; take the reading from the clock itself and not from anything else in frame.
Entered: 3:28:46
